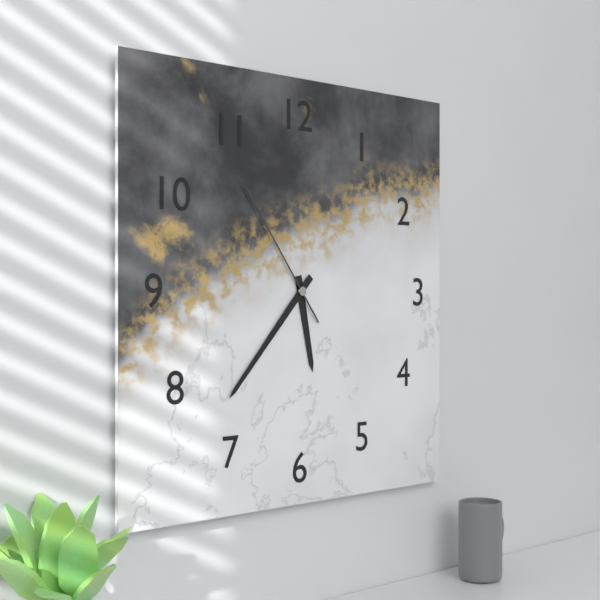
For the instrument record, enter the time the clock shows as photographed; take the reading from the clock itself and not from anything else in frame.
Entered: 5:37:54
